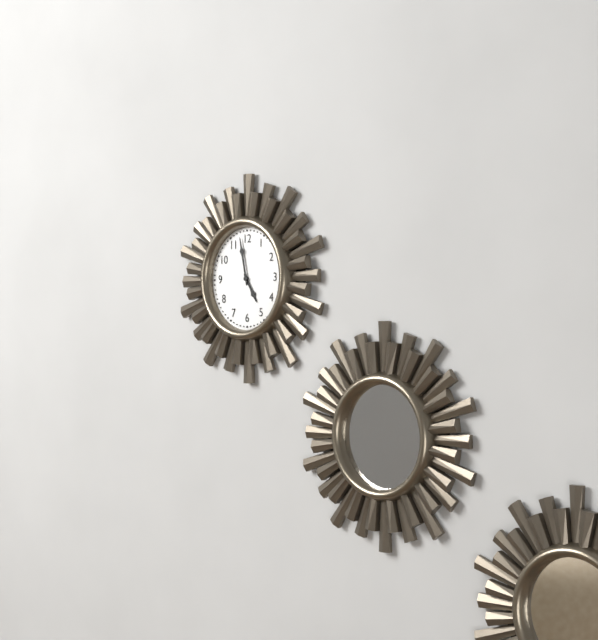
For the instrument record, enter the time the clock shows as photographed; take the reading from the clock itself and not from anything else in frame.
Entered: 4:58
